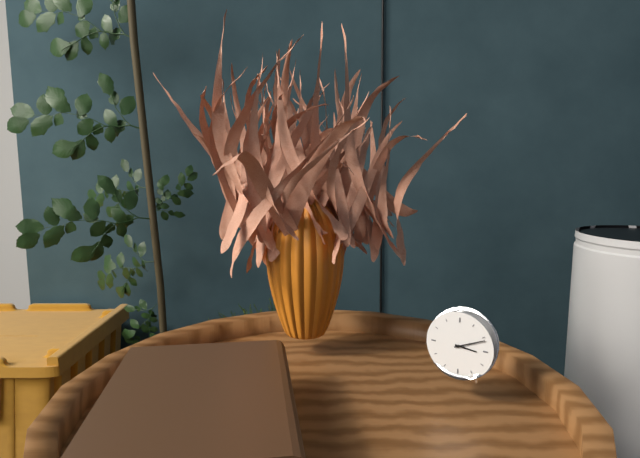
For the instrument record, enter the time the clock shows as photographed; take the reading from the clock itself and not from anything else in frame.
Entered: 3:11
